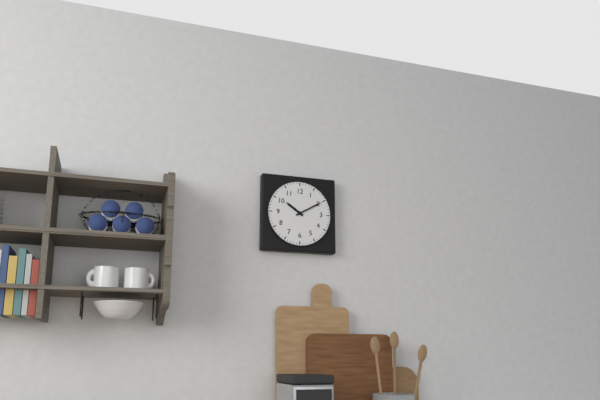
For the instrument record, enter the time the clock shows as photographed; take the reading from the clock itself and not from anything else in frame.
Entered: 10:10
